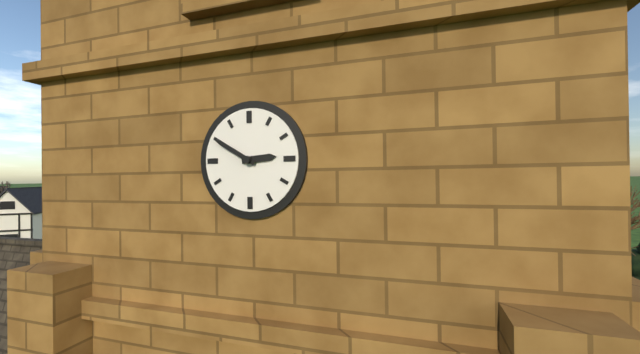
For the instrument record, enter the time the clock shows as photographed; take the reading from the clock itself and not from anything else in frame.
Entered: 2:50
